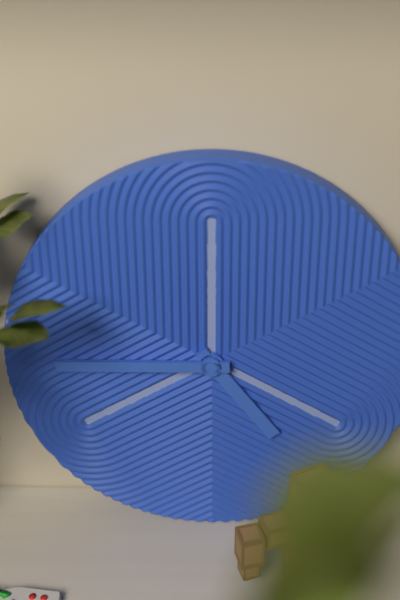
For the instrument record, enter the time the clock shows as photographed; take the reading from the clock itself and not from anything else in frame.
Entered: 4:45
